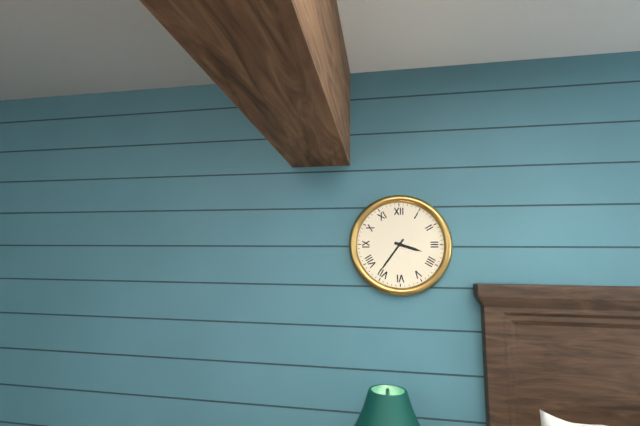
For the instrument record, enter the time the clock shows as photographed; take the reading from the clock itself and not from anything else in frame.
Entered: 3:36
